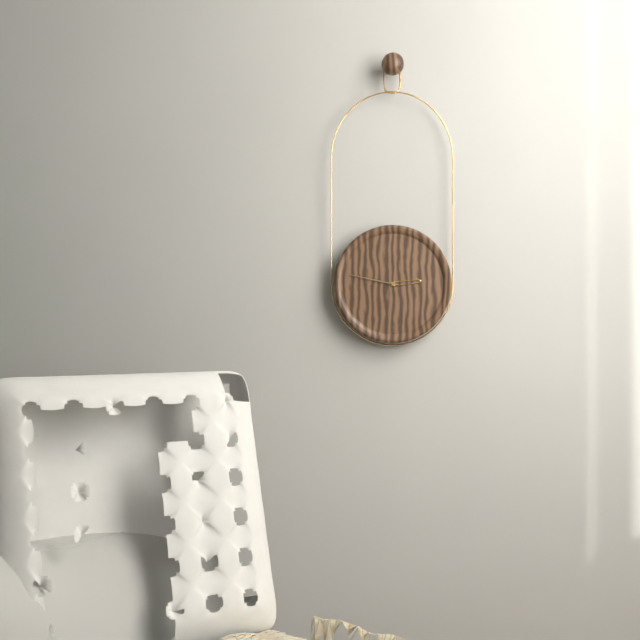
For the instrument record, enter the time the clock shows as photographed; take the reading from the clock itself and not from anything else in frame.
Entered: 2:47
